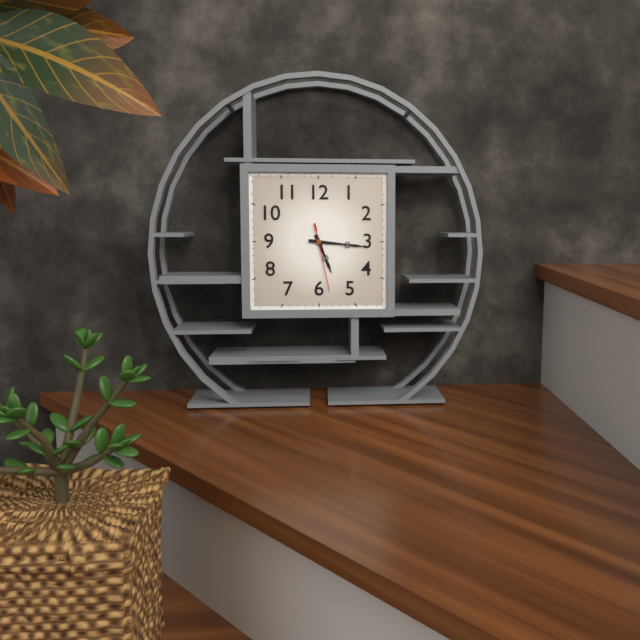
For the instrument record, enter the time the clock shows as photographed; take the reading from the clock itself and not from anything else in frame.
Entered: 5:16:28
